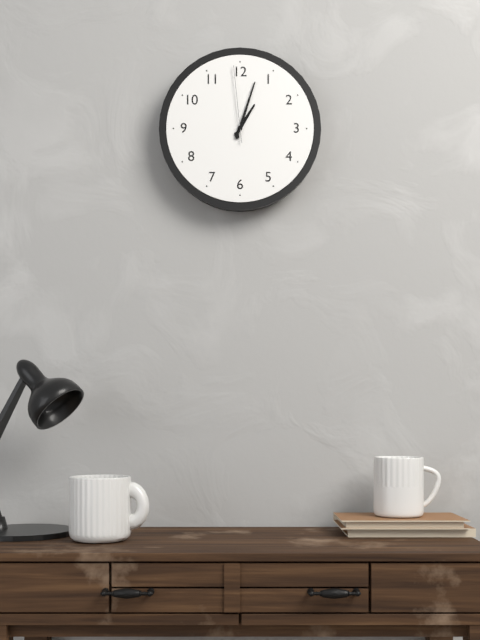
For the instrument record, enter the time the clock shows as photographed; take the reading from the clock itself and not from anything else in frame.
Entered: 1:03:59
